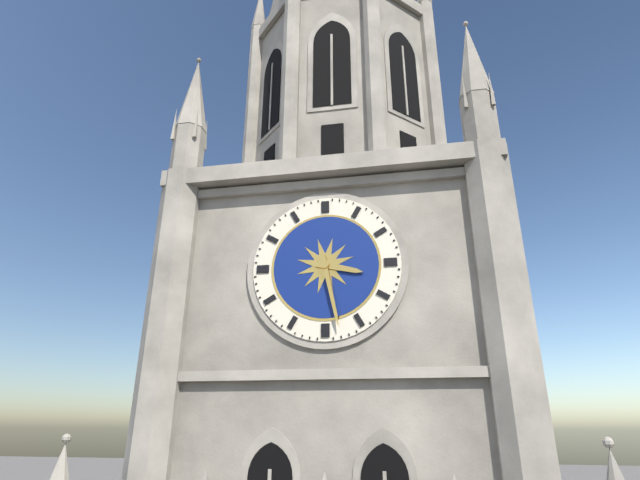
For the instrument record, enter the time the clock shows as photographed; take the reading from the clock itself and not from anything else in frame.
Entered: 3:28
